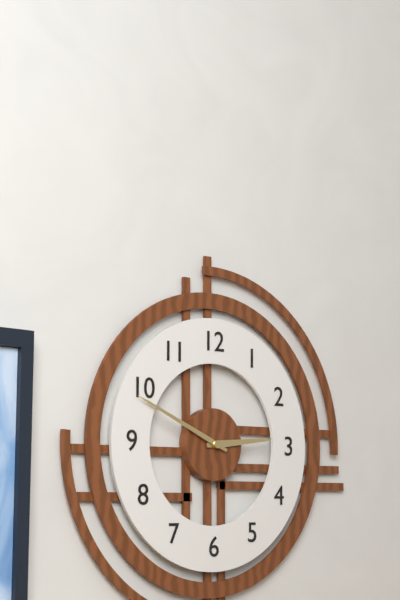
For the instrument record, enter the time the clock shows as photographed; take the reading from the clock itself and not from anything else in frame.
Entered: 2:49
